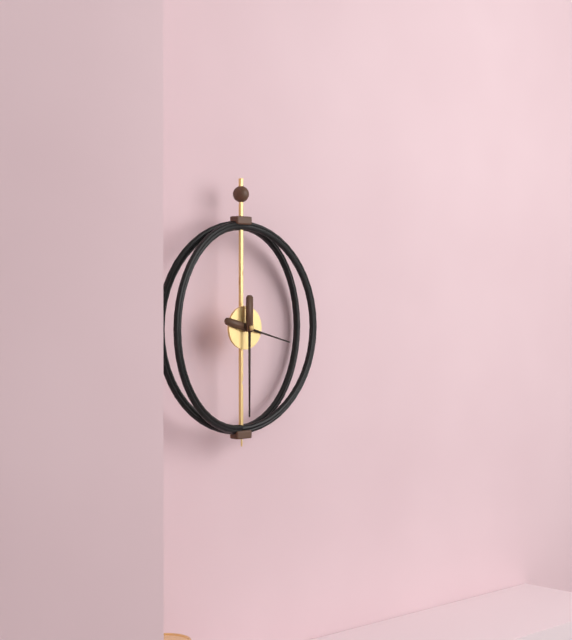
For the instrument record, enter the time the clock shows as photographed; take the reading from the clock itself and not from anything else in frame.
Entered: 3:30
